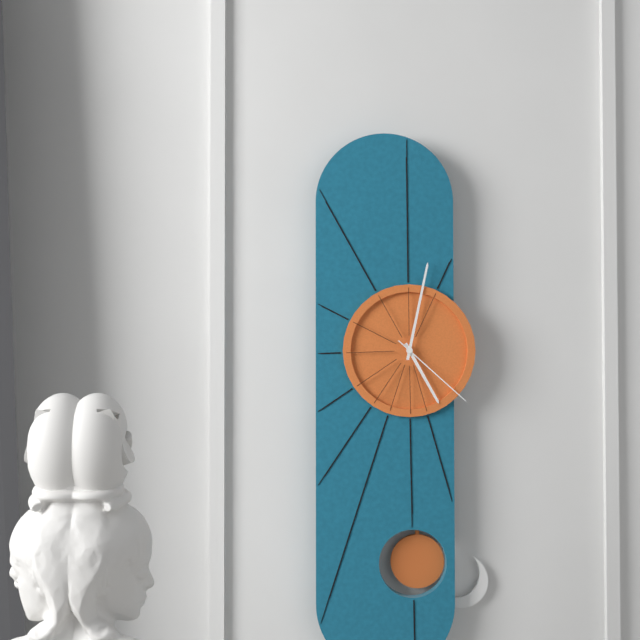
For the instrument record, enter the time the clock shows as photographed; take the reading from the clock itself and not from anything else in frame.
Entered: 5:02:22
